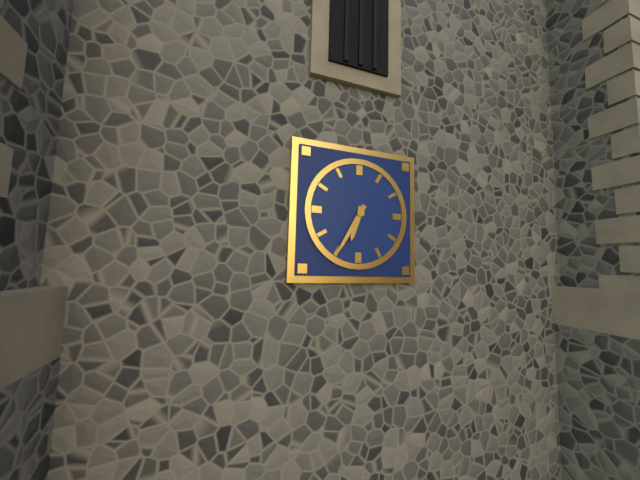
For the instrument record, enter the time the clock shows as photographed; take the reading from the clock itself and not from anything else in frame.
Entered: 6:35
